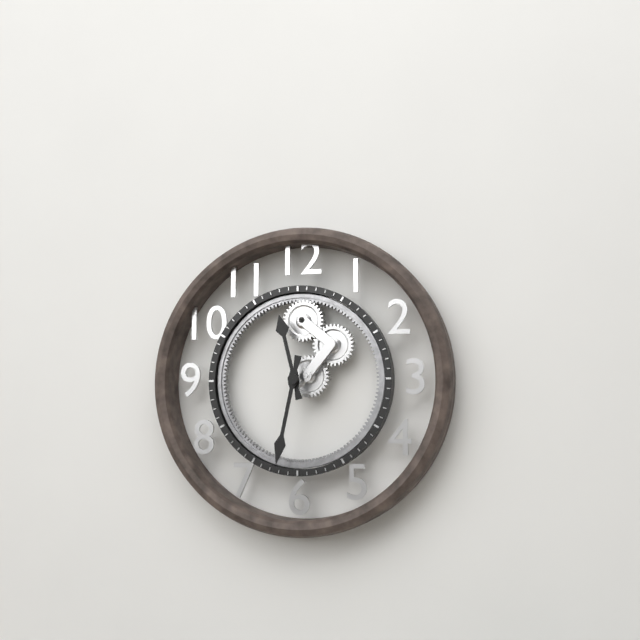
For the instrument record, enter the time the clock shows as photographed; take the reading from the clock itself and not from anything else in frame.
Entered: 11:32
